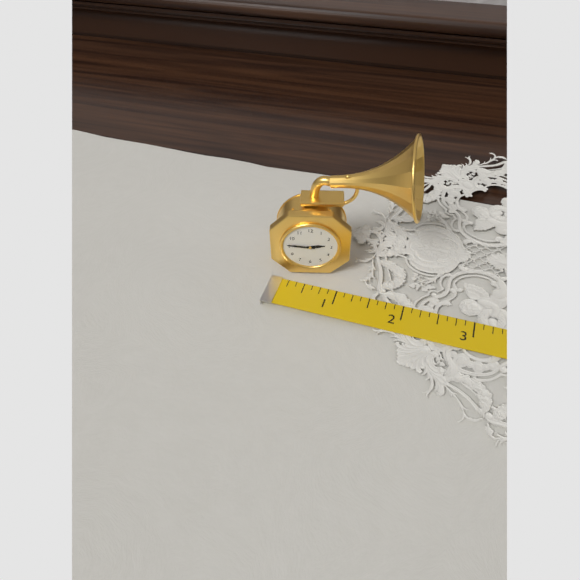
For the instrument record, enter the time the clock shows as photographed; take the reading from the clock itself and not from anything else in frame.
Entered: 2:46
